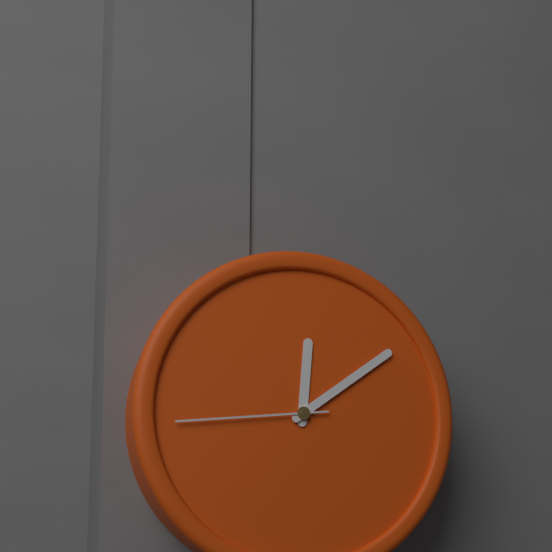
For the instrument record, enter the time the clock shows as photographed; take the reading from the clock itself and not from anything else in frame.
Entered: 12:09:44
